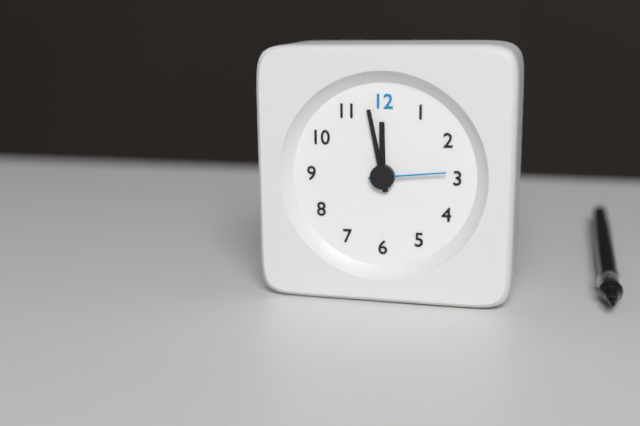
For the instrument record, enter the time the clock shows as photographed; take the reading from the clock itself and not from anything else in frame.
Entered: 11:58:14
